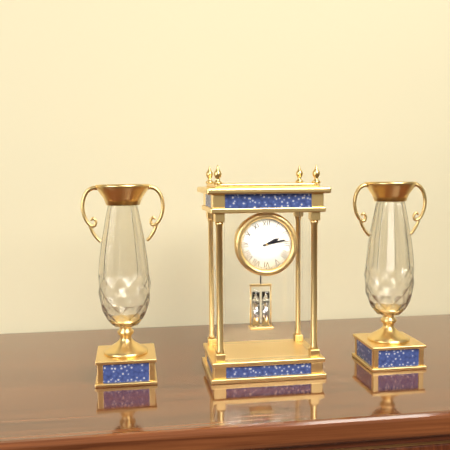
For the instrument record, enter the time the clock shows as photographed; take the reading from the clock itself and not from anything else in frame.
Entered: 2:13
